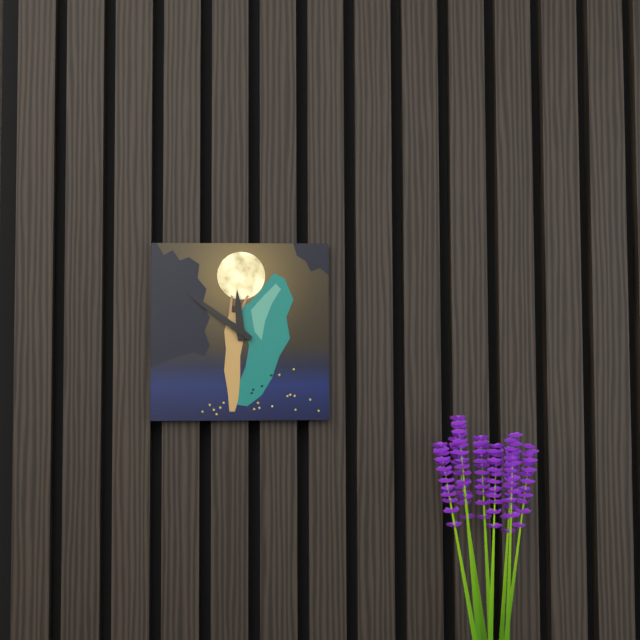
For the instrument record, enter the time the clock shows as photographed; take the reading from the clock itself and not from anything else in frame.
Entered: 11:51
